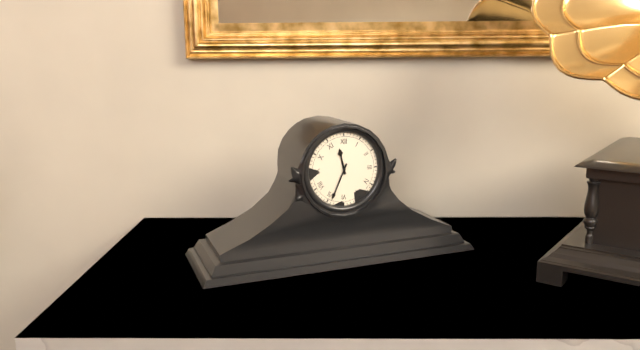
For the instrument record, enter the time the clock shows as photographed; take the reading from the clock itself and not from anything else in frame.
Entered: 11:34
